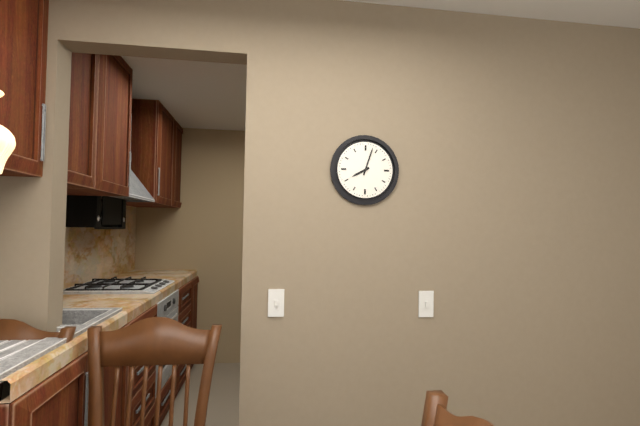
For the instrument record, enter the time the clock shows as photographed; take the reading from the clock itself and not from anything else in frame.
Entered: 8:03
